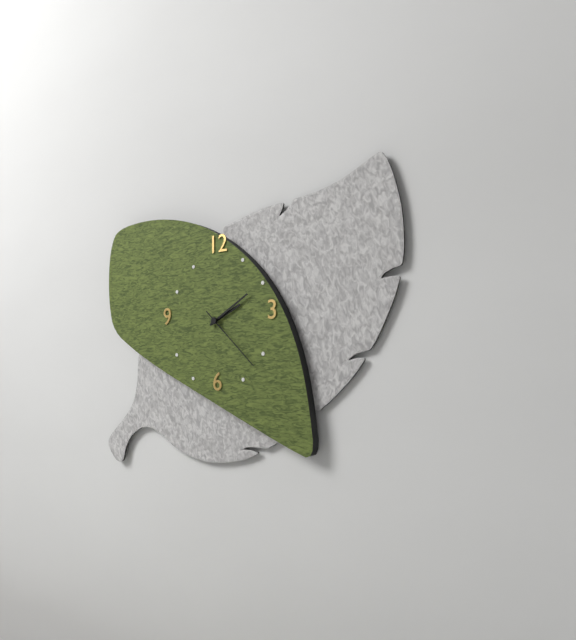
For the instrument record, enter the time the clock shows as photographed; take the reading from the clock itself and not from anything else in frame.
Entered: 2:10:22
